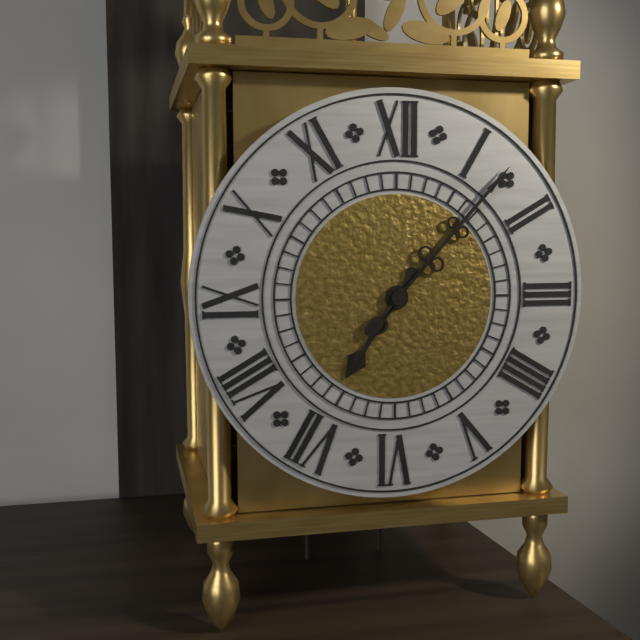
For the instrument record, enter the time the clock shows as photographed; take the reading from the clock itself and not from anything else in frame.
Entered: 7:07
